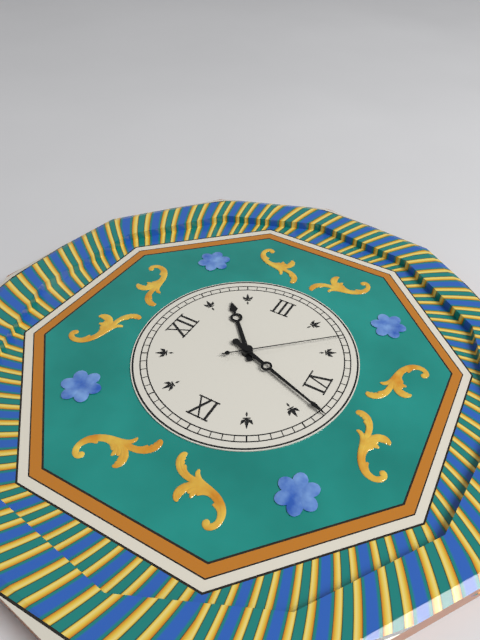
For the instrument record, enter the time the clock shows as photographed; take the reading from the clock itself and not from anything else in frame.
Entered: 1:33:23
